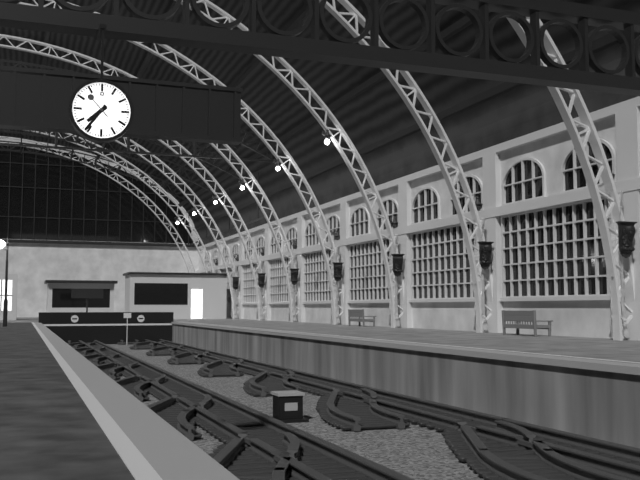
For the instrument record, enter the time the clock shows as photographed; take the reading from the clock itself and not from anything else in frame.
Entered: 7:36
